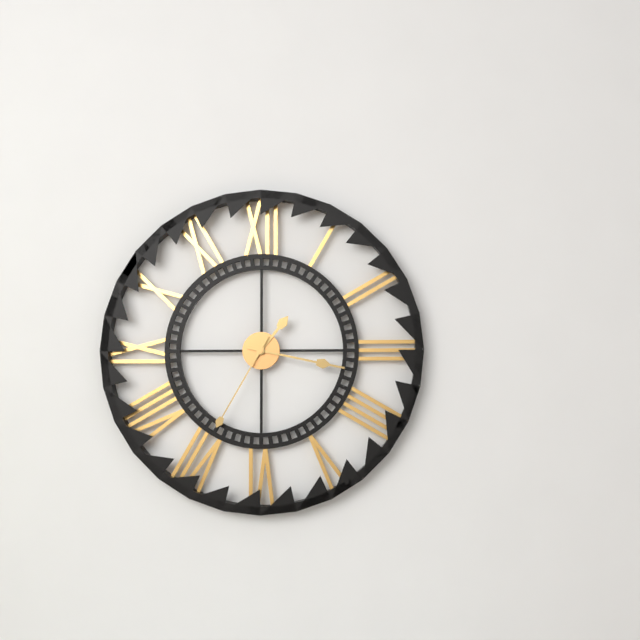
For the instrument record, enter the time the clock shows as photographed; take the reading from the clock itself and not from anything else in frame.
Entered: 1:17:35
